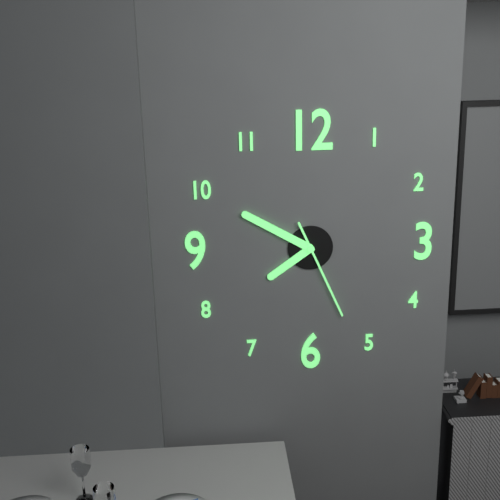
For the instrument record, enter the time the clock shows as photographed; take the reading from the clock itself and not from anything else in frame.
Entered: 7:50:26
